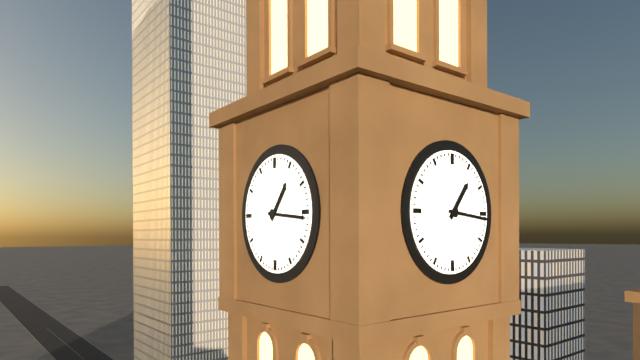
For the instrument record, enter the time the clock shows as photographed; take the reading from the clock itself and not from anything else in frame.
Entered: 1:16
